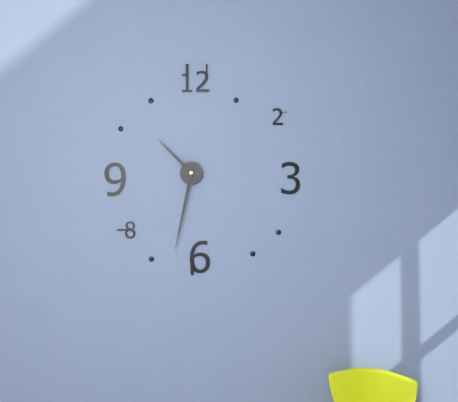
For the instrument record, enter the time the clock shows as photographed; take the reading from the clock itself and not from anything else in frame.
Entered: 10:32
